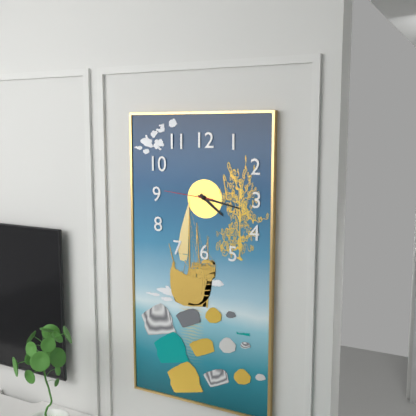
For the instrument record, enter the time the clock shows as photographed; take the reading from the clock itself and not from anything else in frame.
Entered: 4:17:46
